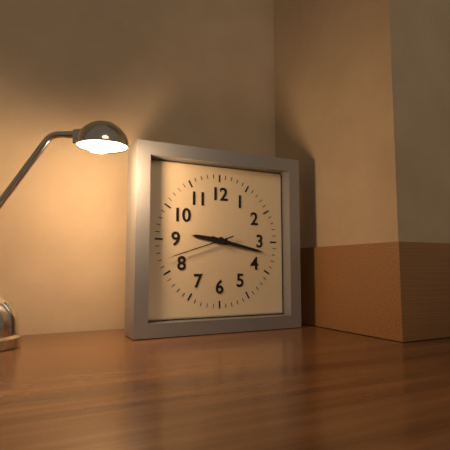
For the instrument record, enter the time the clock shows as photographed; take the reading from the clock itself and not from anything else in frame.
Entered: 9:17:42
